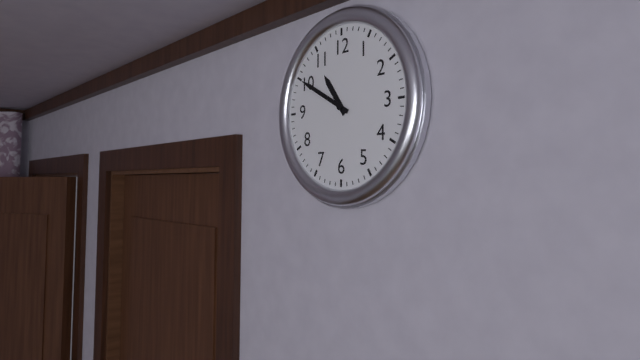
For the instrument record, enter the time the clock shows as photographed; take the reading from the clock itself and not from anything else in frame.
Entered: 10:50
